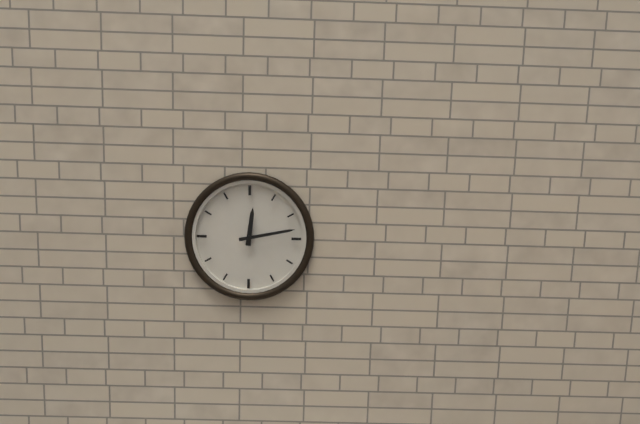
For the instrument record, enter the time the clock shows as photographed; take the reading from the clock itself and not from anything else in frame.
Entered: 12:13
